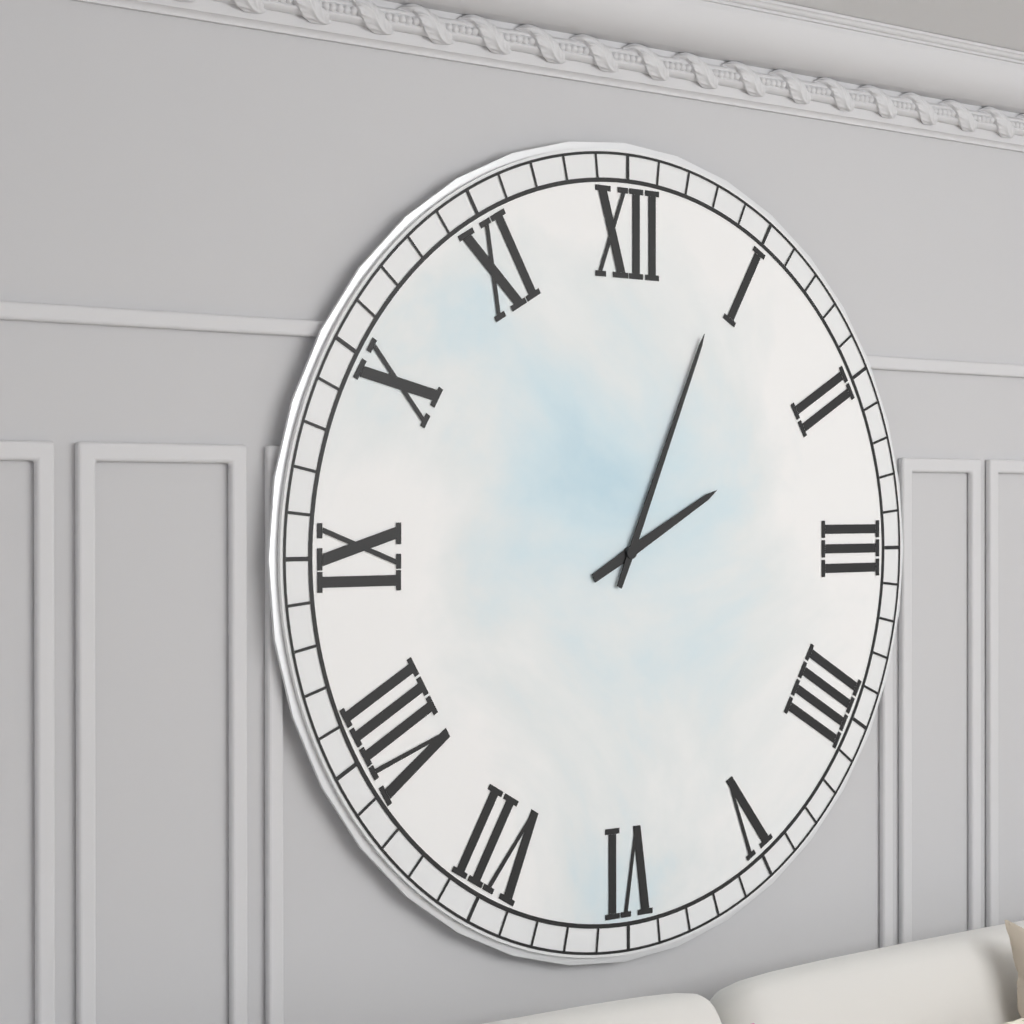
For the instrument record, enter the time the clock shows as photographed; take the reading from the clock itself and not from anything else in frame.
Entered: 2:04
